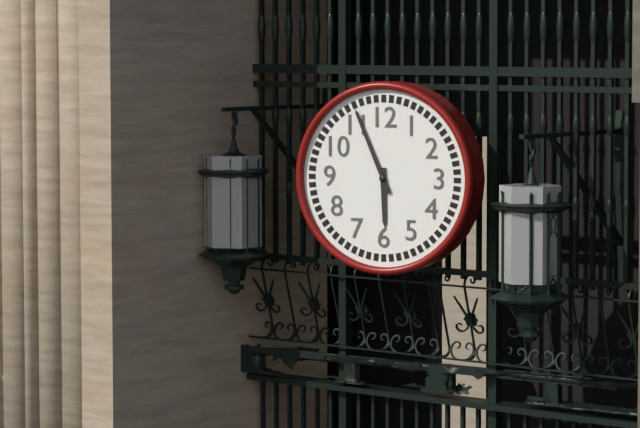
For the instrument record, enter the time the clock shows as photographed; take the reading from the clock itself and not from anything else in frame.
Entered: 5:56
